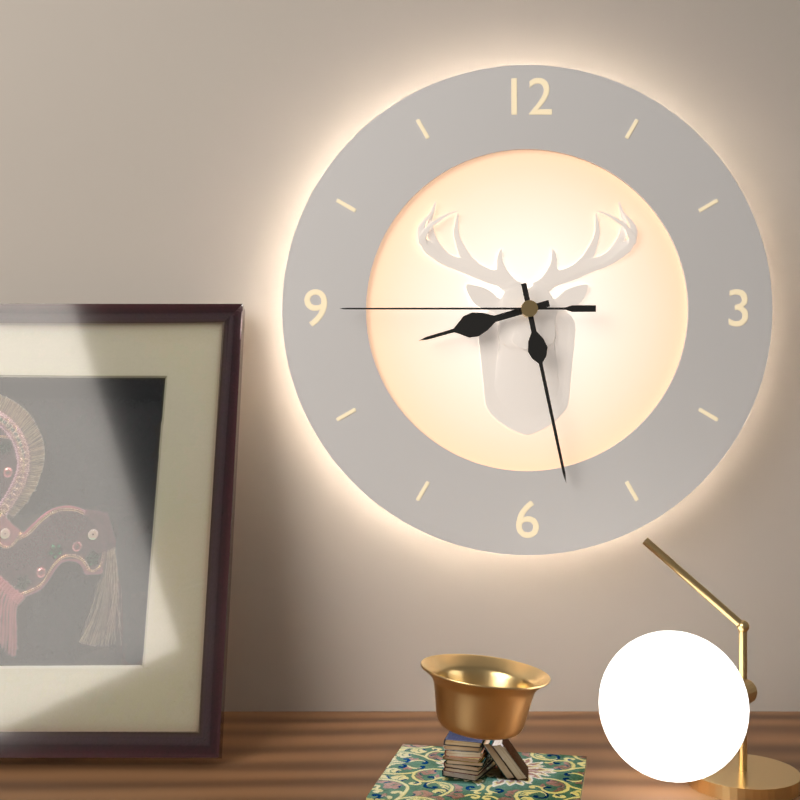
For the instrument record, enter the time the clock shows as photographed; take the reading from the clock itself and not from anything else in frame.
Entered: 8:28:45
